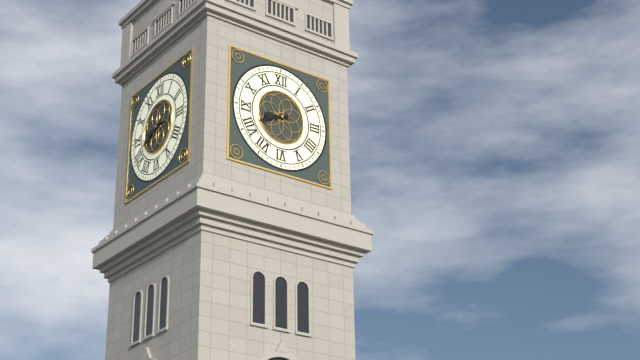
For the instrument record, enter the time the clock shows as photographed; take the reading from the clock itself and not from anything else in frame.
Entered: 8:41
